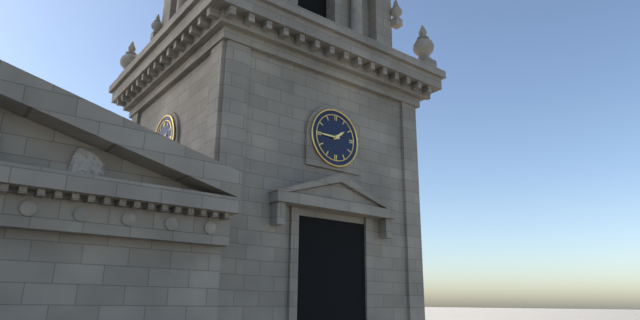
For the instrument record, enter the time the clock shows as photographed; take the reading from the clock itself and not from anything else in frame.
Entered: 1:45
